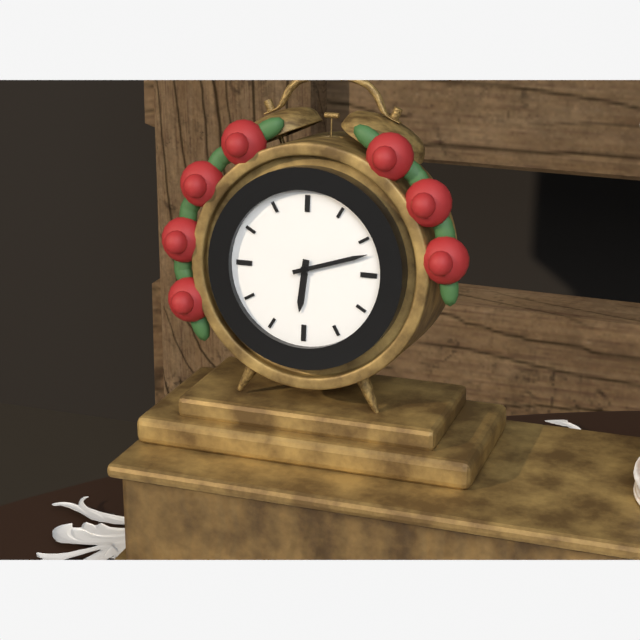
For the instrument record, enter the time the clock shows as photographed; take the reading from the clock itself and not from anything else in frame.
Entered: 6:12
